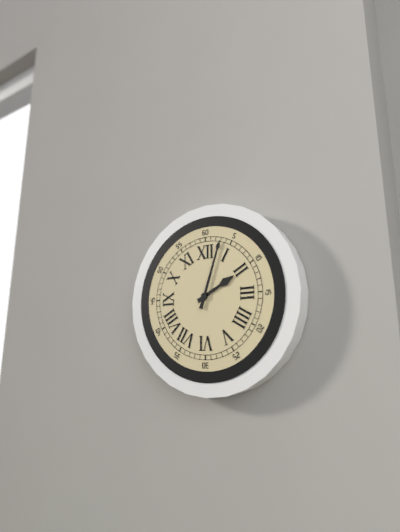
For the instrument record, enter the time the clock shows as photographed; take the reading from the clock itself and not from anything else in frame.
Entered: 2:03
